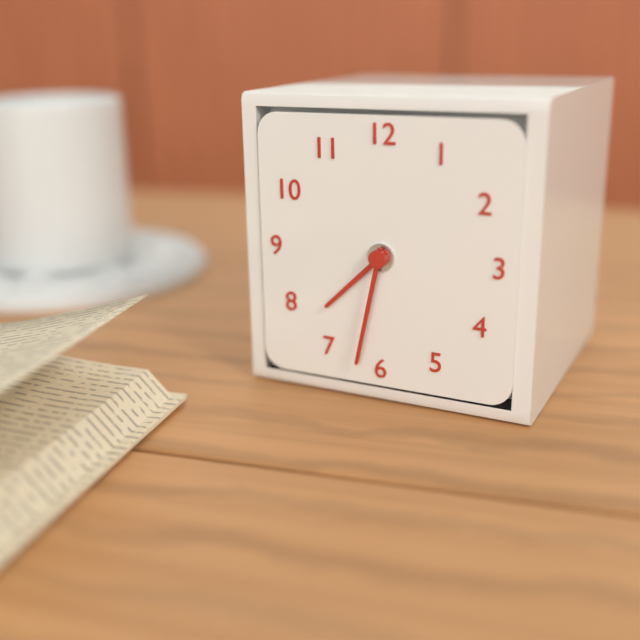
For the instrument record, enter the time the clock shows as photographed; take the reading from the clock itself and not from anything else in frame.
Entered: 7:32
